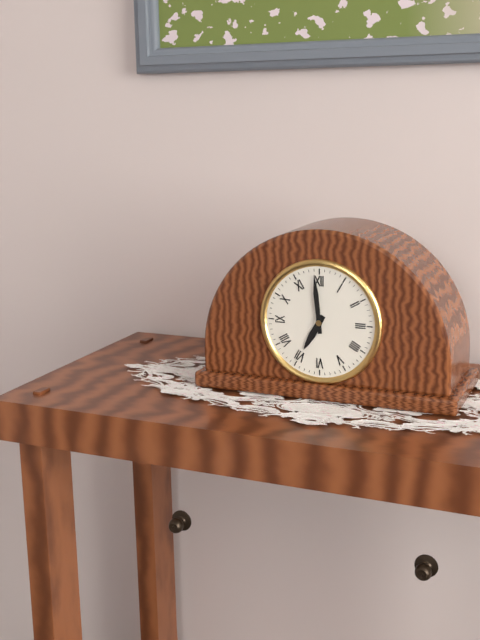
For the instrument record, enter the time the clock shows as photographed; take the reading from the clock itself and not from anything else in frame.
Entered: 6:59
